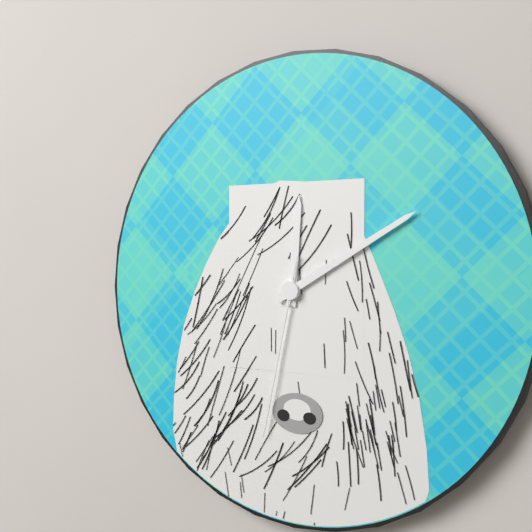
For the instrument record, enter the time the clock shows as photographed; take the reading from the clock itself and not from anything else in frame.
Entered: 12:10:32
